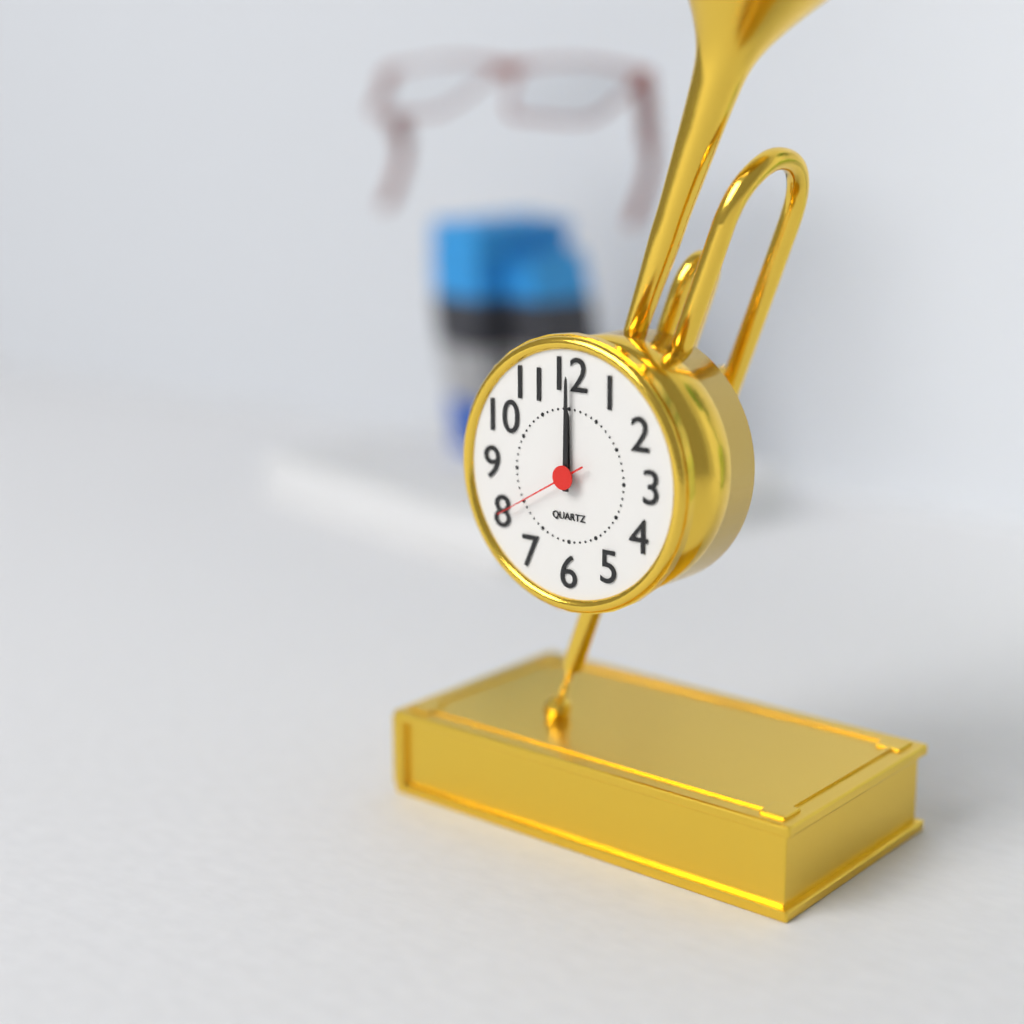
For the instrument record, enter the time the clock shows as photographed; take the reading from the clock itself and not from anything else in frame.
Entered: 12:00:40
